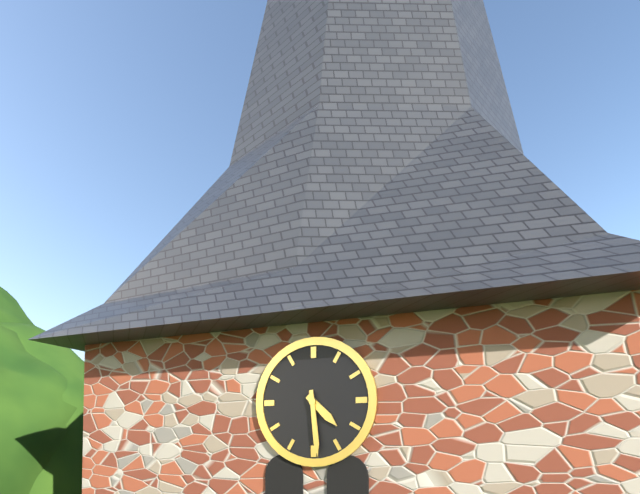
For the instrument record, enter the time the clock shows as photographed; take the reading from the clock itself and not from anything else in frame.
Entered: 4:29
